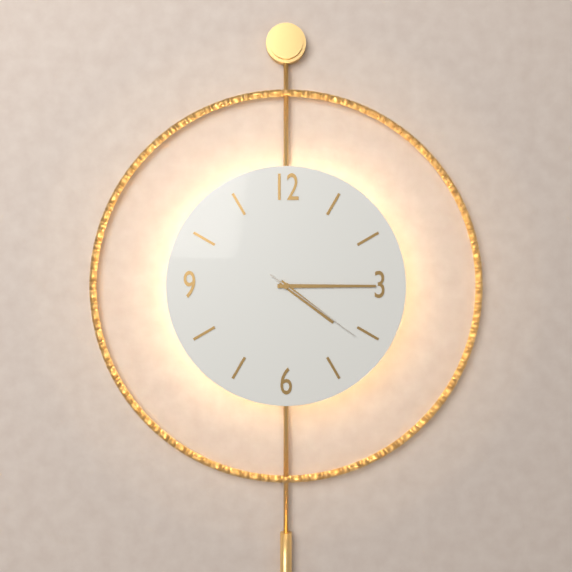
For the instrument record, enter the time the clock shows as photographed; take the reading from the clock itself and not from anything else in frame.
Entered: 4:15:21
